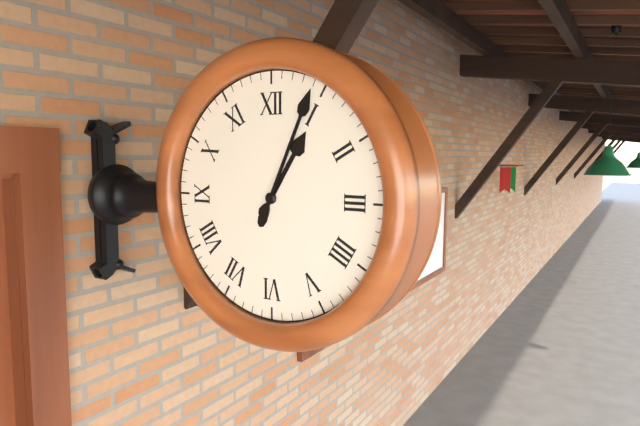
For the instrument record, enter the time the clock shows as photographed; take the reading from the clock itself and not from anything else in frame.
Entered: 1:04
